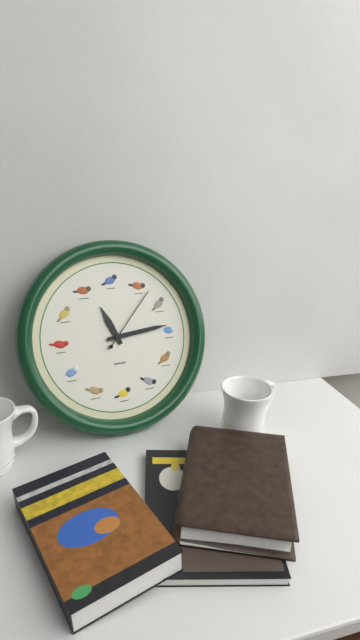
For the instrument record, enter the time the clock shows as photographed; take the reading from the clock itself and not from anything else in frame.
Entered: 11:14:07
